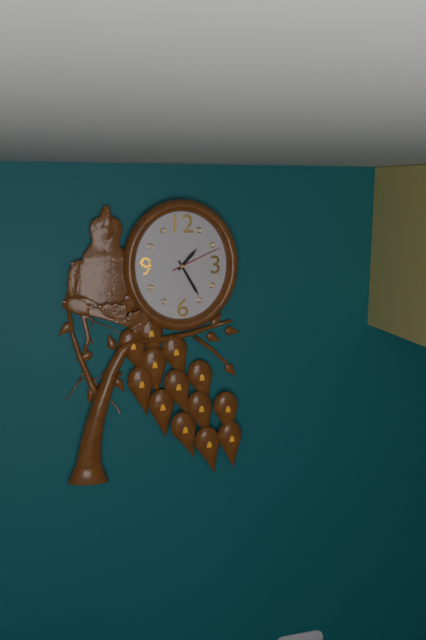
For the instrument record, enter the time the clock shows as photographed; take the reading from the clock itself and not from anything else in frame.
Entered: 1:25:11
